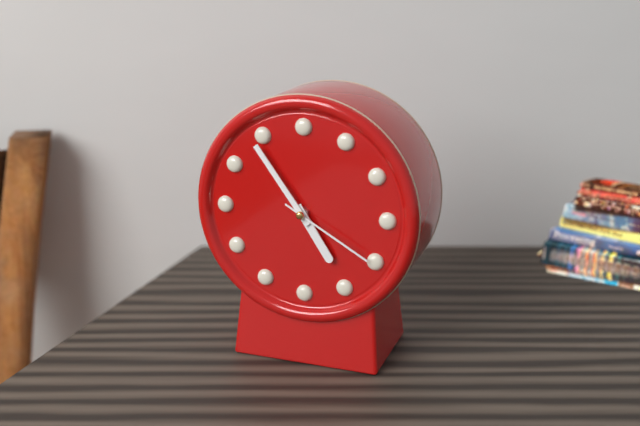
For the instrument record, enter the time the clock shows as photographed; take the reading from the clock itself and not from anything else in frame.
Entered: 4:54:20
